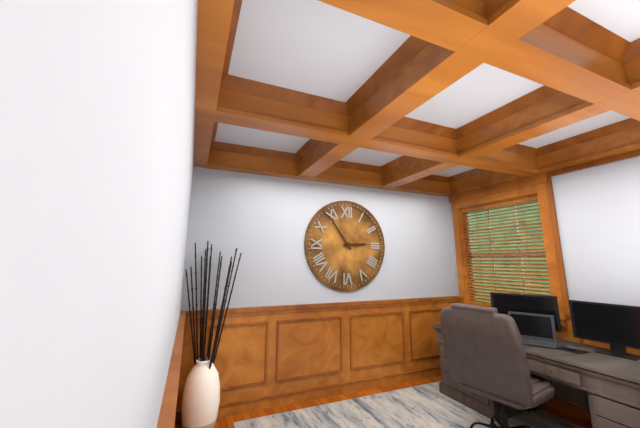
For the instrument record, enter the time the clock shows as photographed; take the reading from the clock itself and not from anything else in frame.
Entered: 2:54
